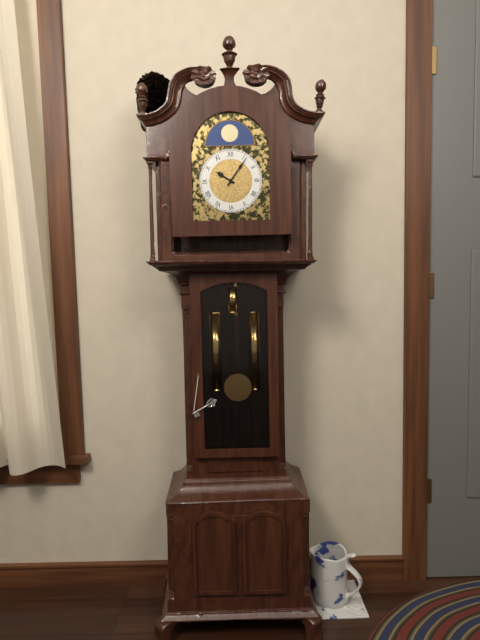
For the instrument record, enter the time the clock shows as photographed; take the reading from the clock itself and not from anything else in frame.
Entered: 10:06
